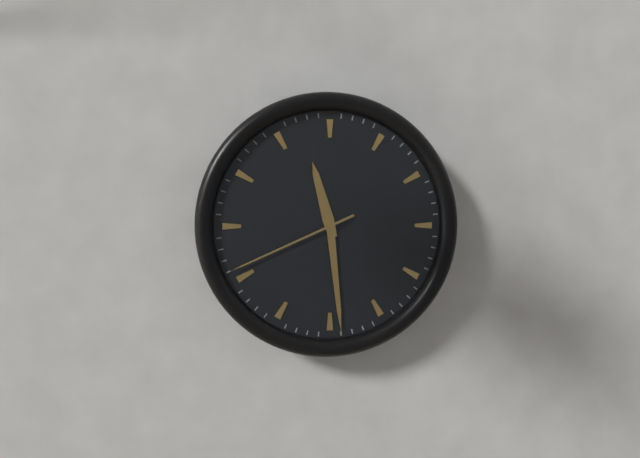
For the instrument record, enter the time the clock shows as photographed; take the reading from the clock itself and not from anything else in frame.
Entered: 11:29:41
